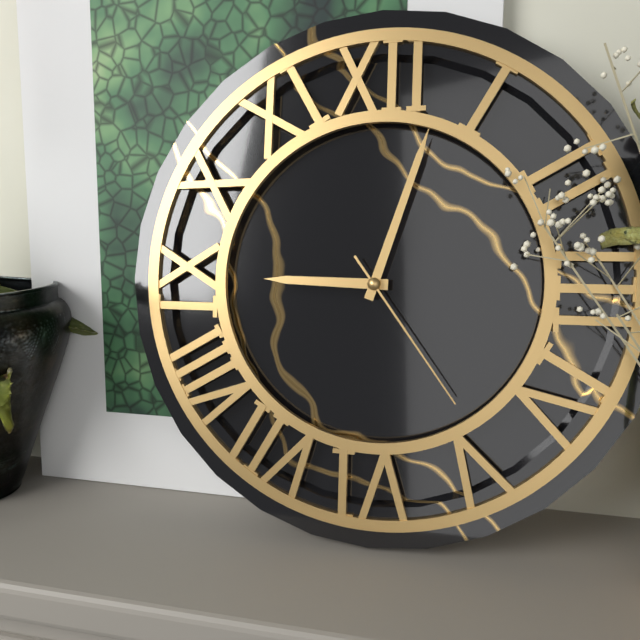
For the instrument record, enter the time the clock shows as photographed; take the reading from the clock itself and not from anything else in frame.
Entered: 9:03:24
